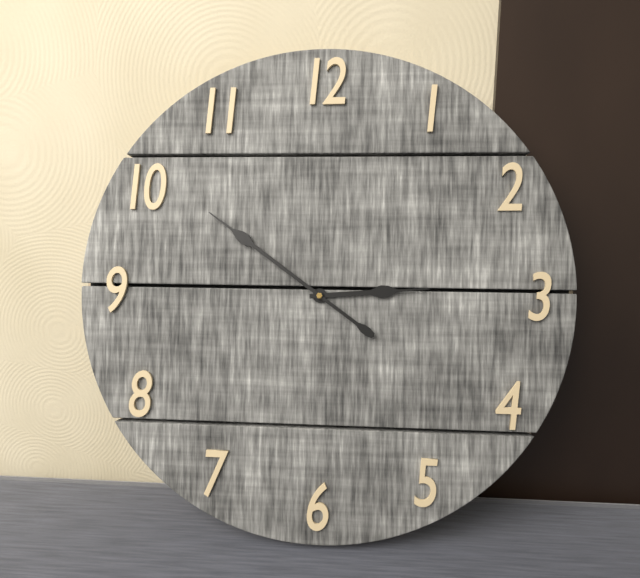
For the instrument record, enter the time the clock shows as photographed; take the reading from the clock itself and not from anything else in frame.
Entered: 2:51
